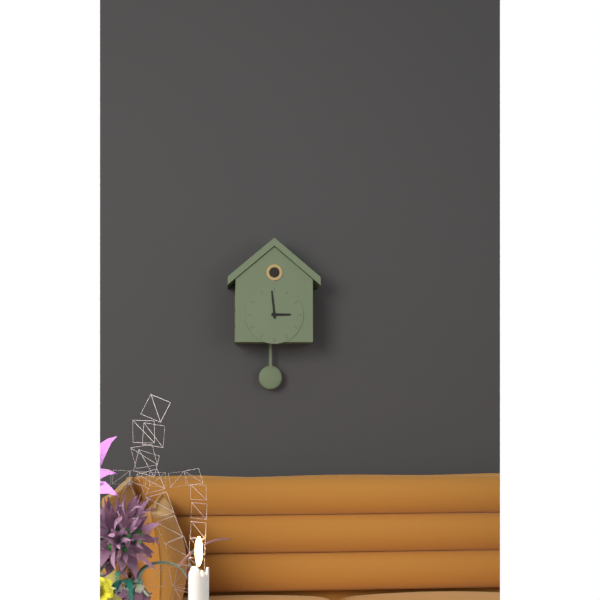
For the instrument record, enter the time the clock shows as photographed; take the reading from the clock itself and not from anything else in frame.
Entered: 2:59
